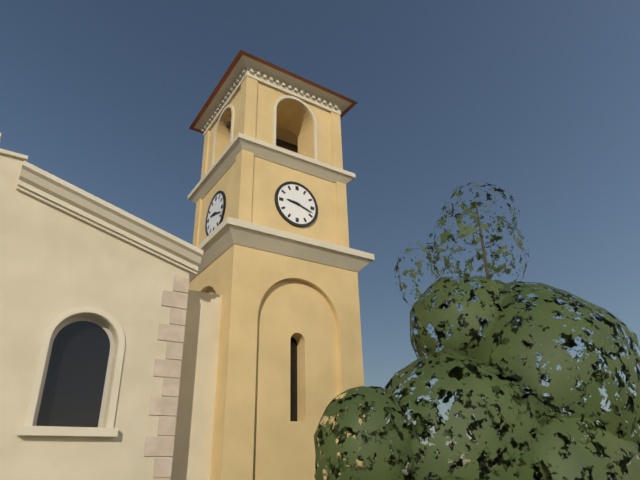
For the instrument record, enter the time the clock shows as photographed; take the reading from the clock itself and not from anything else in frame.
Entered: 9:18
